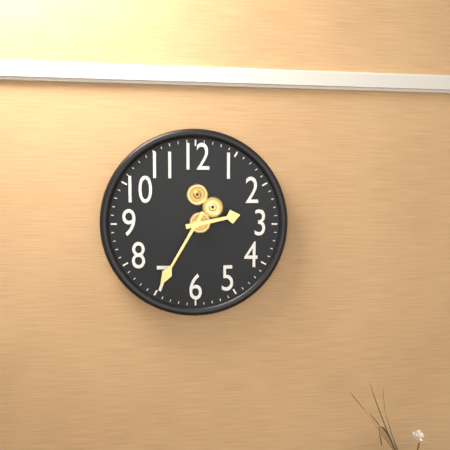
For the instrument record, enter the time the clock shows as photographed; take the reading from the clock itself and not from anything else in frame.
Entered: 2:35
